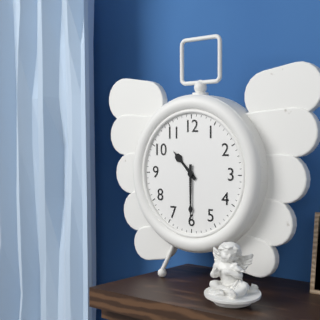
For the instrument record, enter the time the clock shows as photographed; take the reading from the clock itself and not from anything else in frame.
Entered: 10:30
